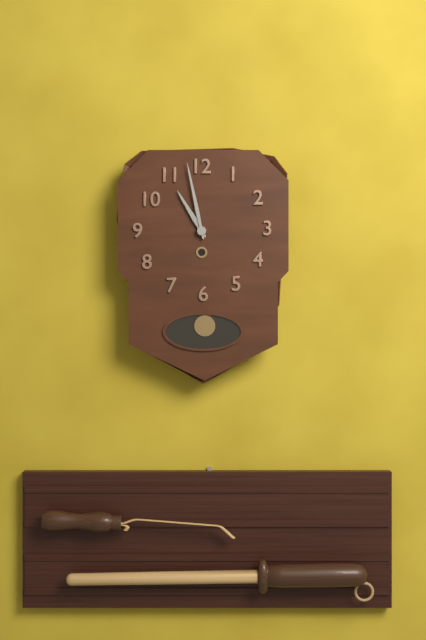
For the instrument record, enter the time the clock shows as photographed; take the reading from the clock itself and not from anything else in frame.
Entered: 10:58
